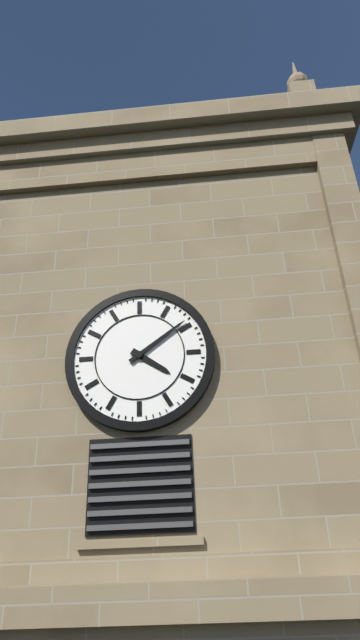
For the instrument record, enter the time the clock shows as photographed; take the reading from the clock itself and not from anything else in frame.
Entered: 4:09
